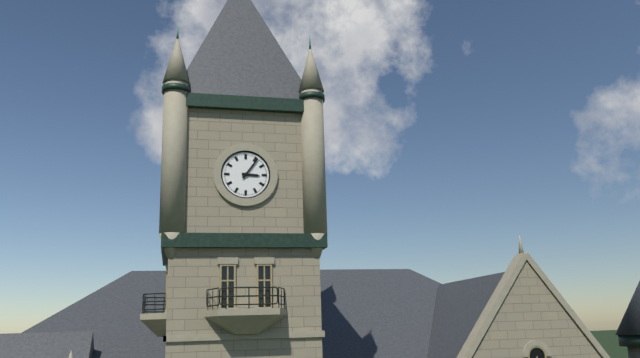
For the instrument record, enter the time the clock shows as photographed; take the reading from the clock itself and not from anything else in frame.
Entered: 3:06
